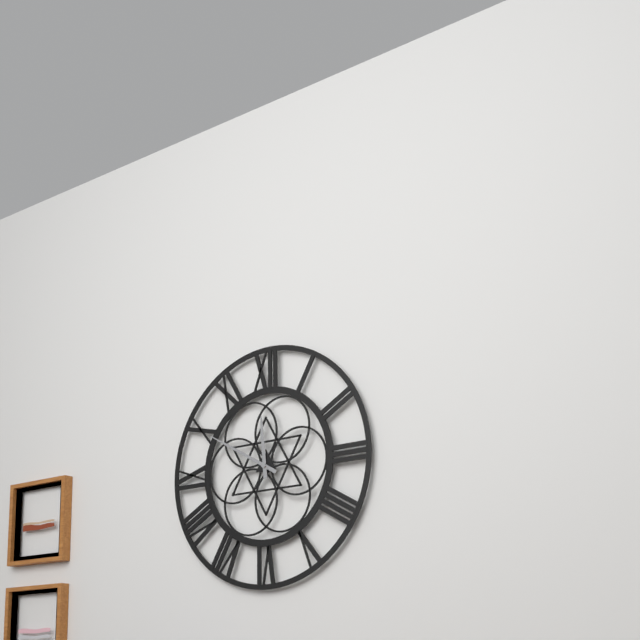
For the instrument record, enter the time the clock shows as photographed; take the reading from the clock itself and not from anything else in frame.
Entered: 11:50
